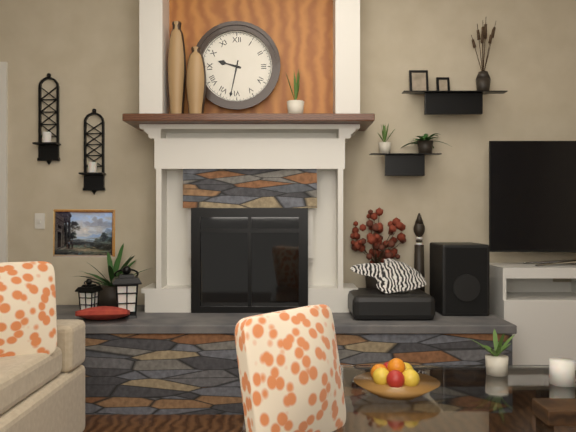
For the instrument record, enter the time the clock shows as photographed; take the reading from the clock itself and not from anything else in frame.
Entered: 9:32
